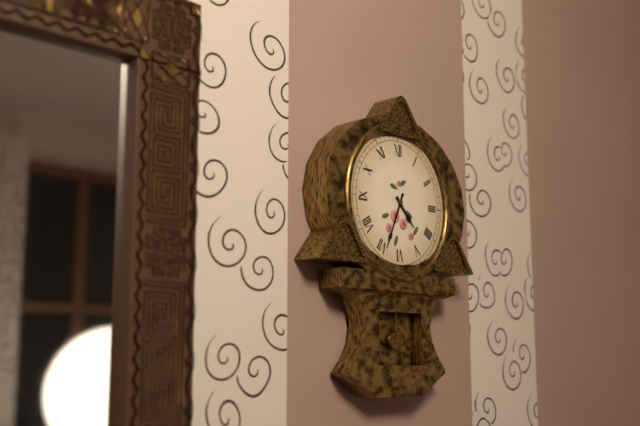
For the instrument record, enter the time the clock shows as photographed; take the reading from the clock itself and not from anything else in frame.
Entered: 4:34
